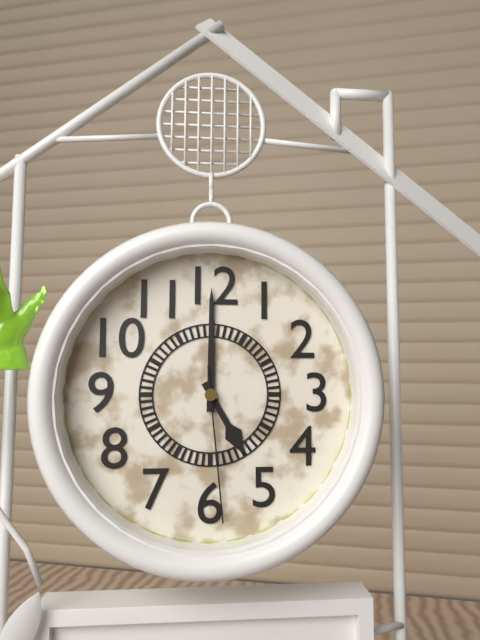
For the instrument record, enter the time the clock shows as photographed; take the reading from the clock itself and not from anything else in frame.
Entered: 5:00:29
